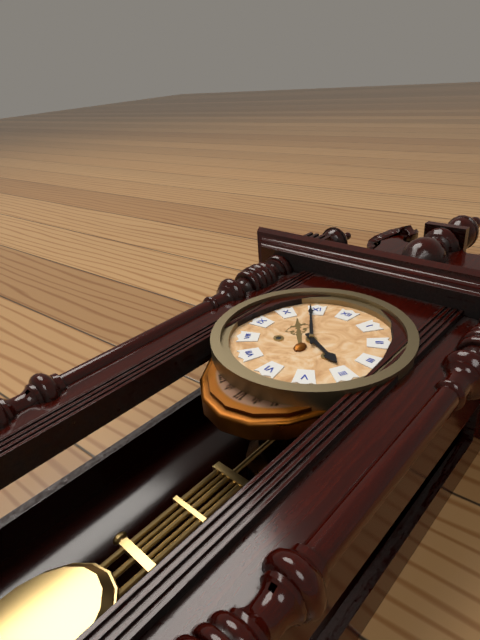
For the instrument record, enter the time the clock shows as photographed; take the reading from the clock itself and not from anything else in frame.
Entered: 3:54
